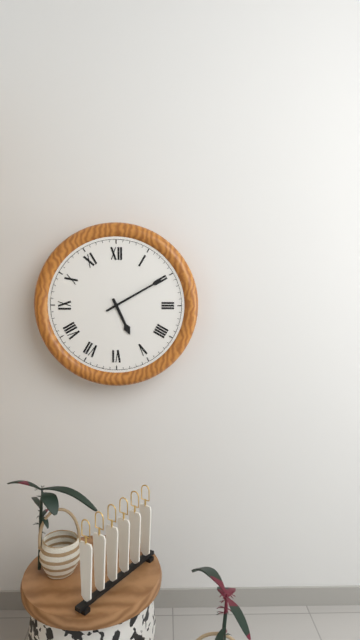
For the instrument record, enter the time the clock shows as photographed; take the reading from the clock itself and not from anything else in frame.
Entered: 5:10
